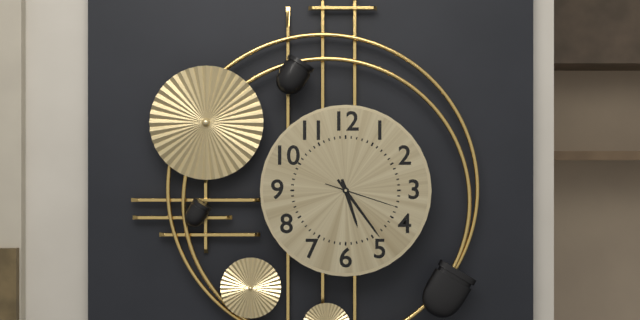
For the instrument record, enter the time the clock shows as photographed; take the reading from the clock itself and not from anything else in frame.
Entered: 5:24:18
